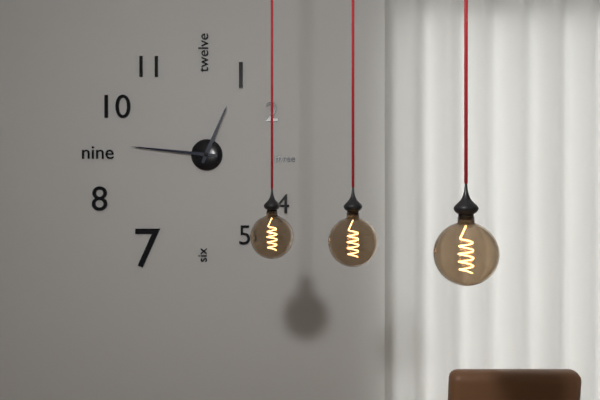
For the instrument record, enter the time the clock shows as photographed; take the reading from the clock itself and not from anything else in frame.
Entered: 12:46
